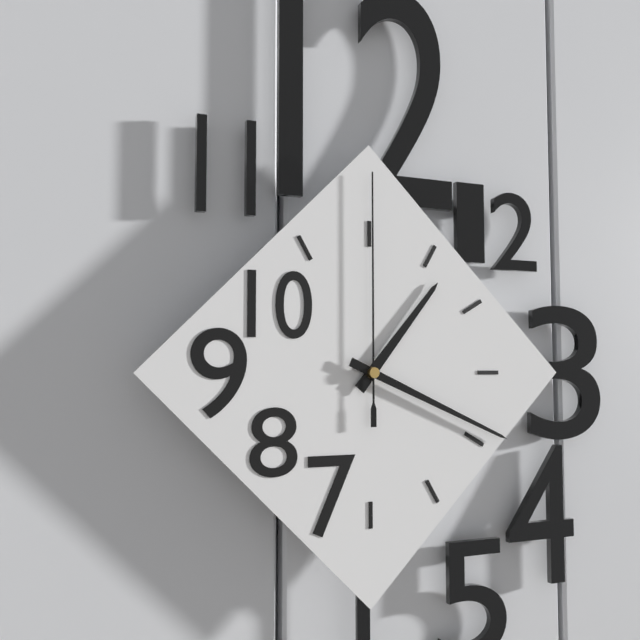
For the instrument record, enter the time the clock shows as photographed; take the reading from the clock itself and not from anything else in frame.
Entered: 1:19:00
